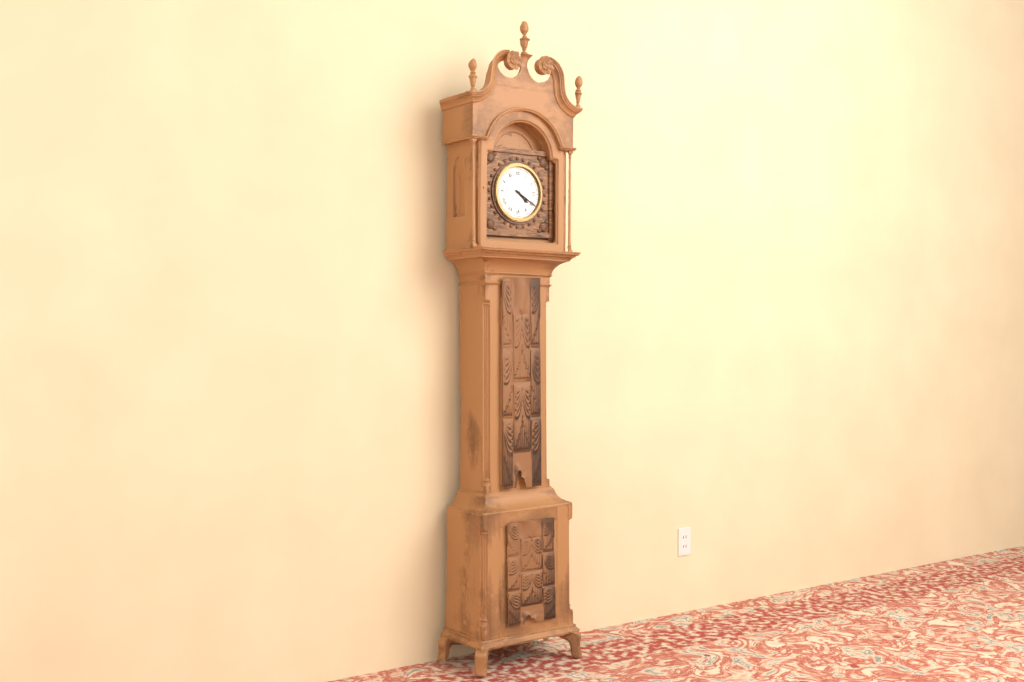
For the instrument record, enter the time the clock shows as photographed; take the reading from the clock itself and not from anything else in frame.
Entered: 4:20
